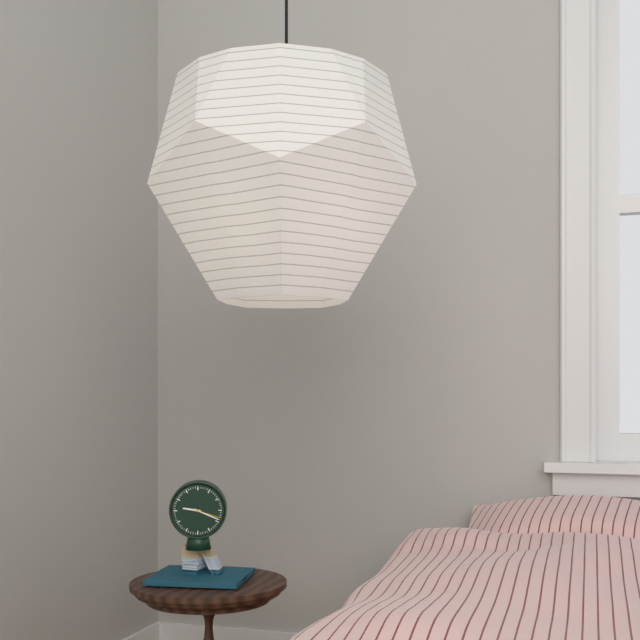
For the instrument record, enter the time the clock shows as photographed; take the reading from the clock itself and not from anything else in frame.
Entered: 9:19
